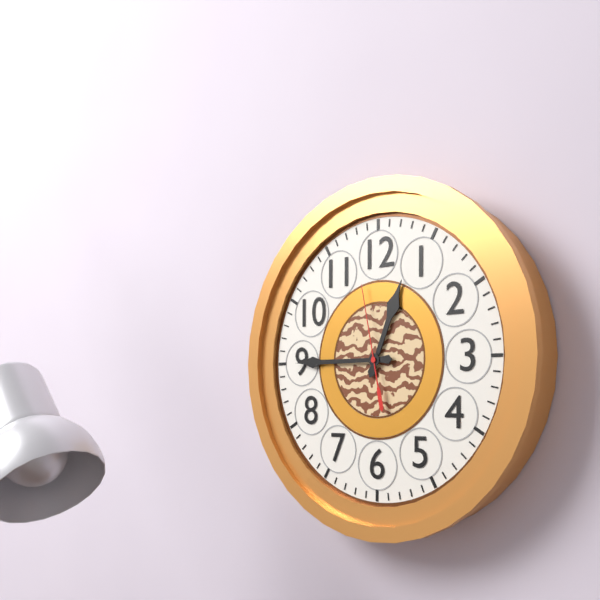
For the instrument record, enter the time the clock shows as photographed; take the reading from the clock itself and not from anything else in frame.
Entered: 12:45:58
